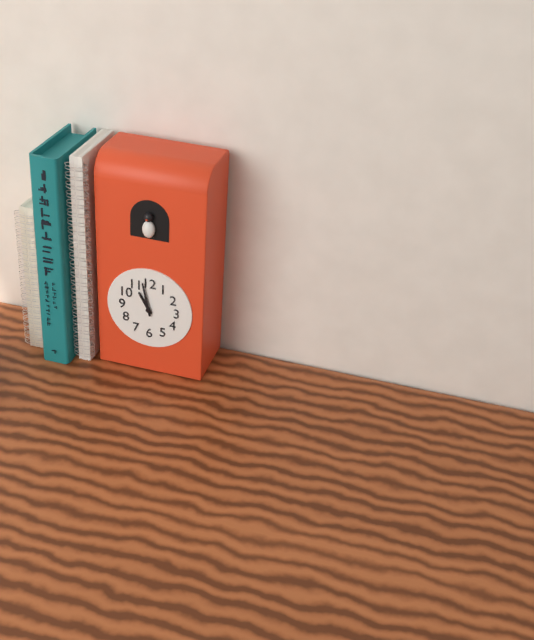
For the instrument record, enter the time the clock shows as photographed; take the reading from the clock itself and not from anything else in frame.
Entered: 10:58
